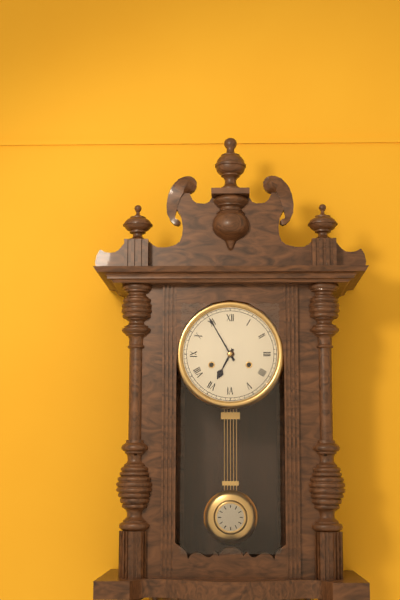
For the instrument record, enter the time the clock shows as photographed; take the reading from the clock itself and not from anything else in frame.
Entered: 6:55
